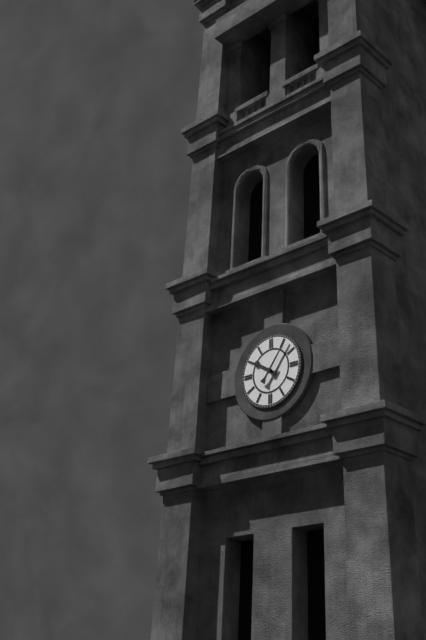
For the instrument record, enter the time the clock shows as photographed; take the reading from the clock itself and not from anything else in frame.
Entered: 10:06
